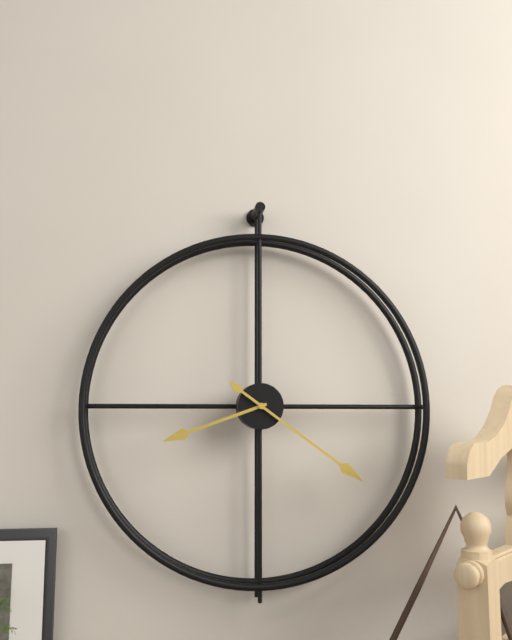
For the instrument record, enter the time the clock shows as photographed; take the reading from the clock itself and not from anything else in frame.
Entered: 8:21
